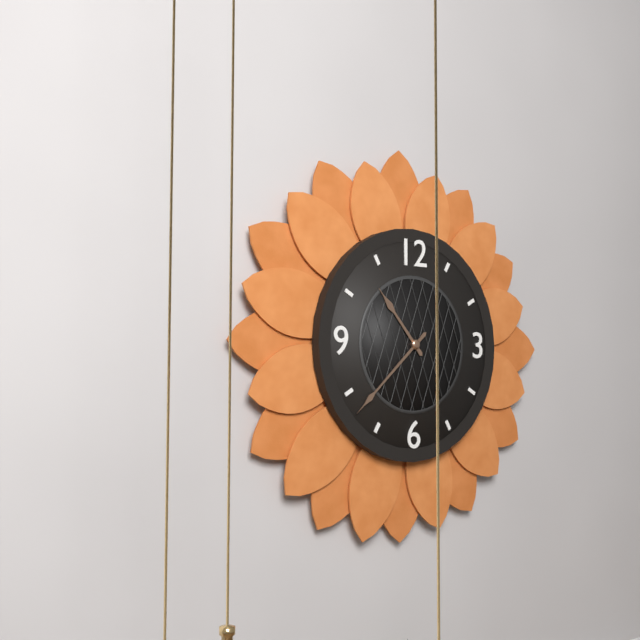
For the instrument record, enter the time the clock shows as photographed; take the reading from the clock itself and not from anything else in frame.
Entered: 10:38
